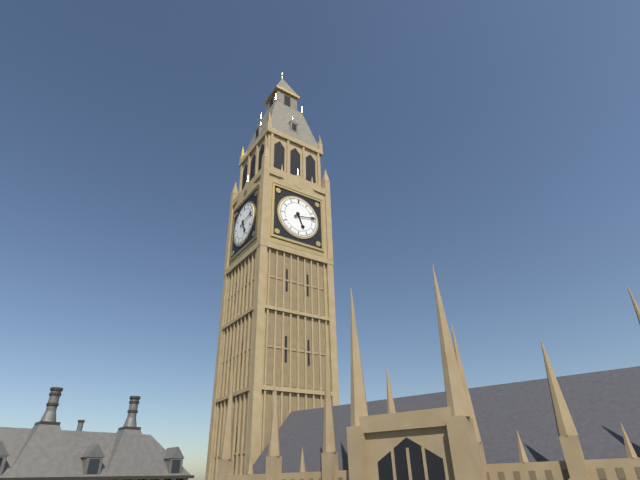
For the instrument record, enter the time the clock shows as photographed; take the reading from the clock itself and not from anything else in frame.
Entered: 5:13
